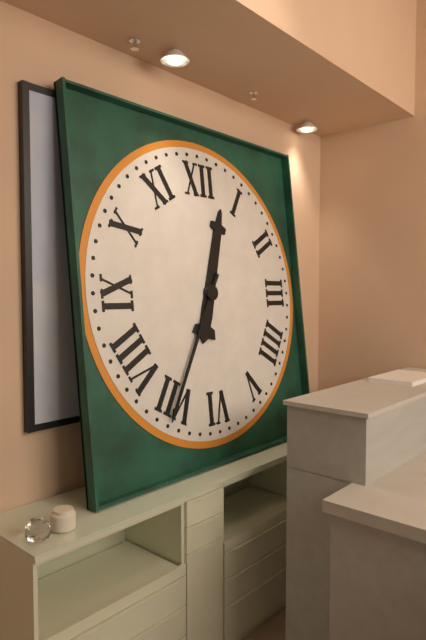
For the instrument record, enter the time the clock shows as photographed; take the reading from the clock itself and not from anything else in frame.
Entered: 12:35
